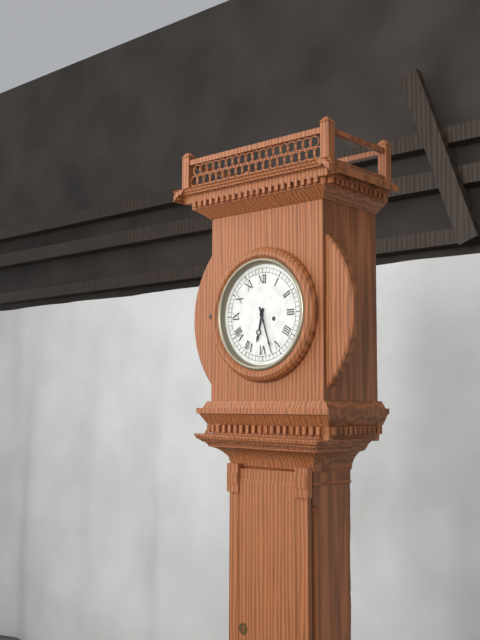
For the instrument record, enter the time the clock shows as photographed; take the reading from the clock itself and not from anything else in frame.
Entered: 6:27
